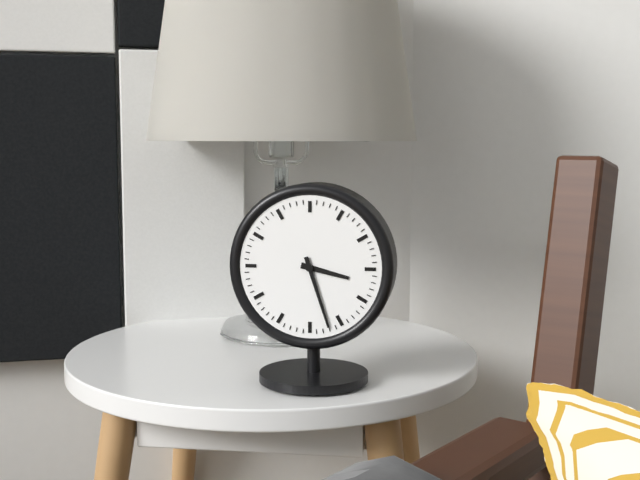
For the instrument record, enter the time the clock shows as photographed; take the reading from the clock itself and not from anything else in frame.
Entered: 3:27
